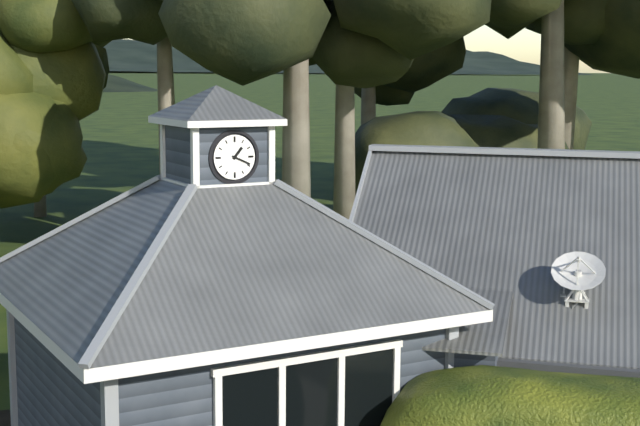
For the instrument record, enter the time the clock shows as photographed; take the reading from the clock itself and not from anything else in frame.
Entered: 1:19
